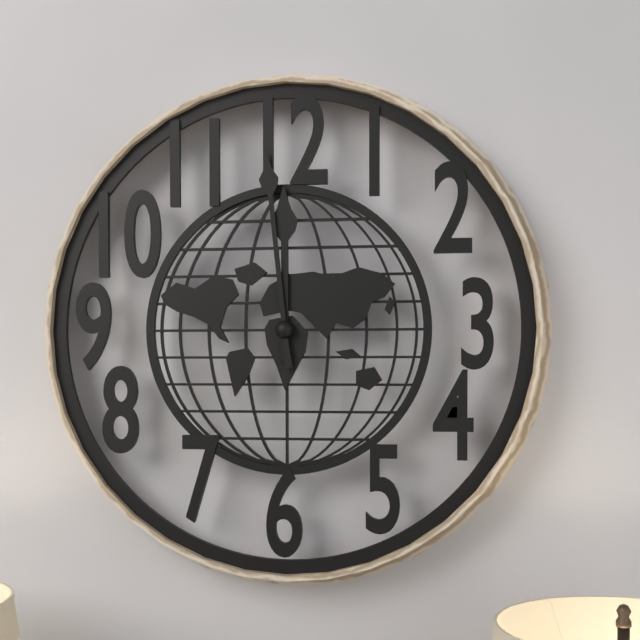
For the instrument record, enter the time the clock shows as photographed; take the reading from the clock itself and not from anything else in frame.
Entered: 11:59
